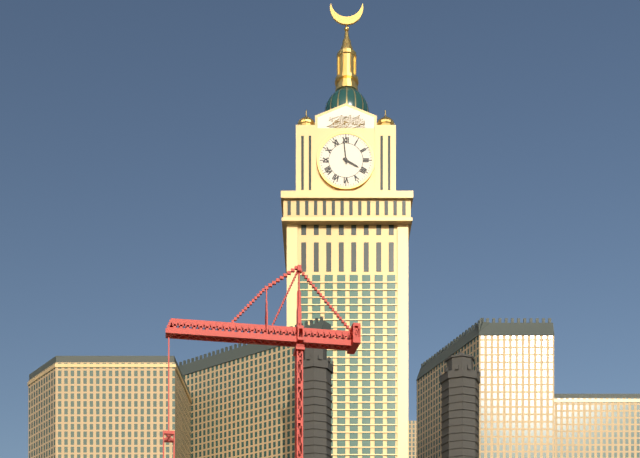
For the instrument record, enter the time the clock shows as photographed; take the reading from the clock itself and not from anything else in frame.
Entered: 3:59
